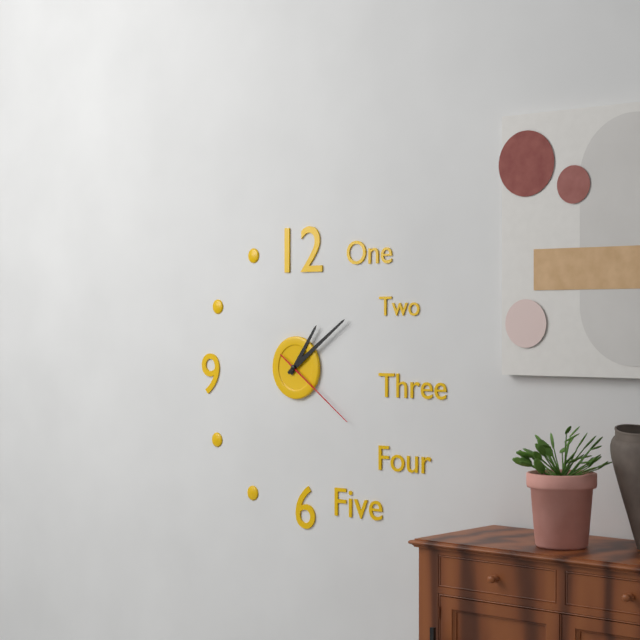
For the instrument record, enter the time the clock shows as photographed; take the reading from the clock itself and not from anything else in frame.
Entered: 1:09:21
